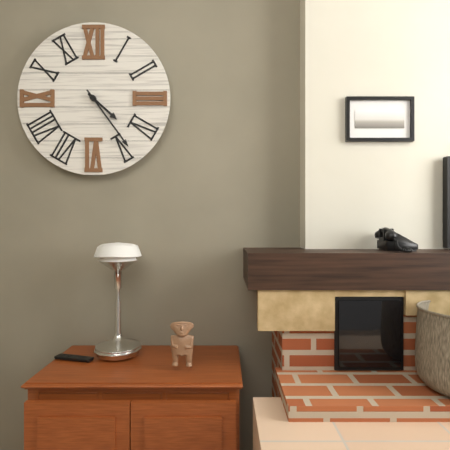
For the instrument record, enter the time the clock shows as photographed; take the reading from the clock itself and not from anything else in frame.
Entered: 4:24
